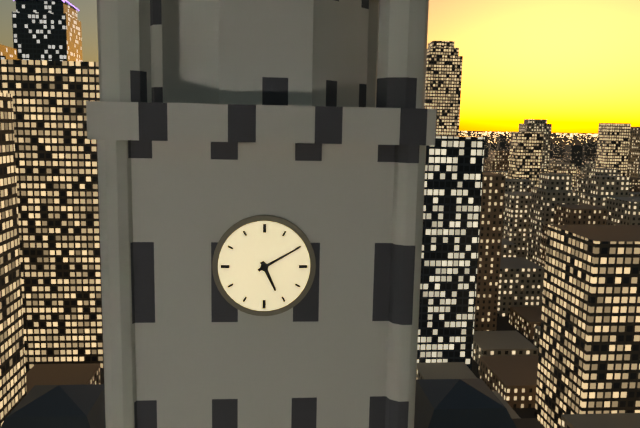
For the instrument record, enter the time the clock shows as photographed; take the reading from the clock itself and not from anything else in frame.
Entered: 5:10
